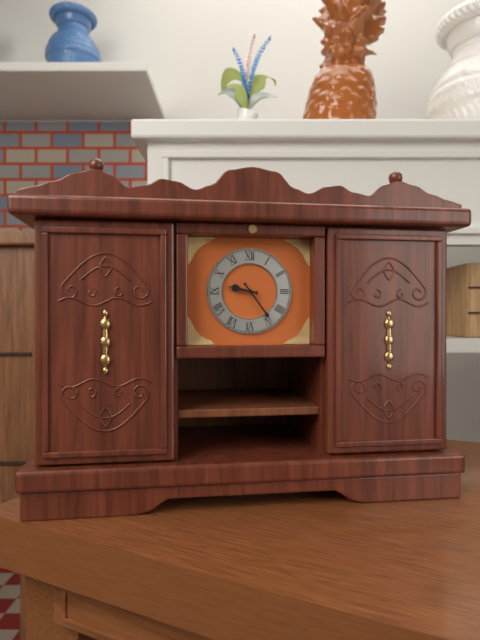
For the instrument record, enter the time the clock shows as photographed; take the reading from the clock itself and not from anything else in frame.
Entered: 9:24
